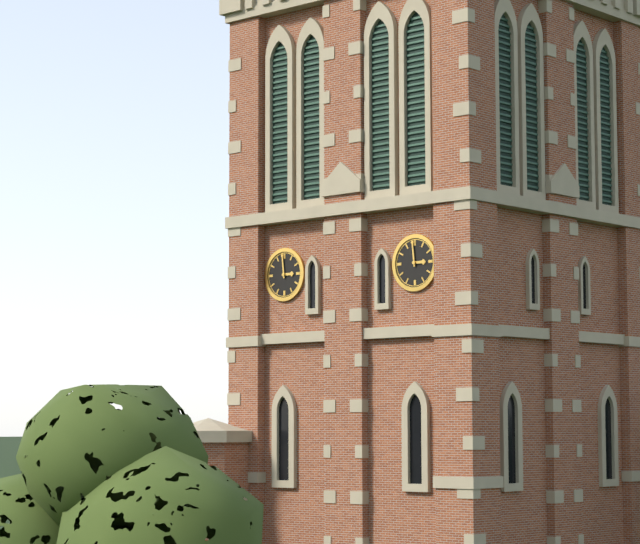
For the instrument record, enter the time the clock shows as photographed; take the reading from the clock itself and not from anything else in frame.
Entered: 2:59
